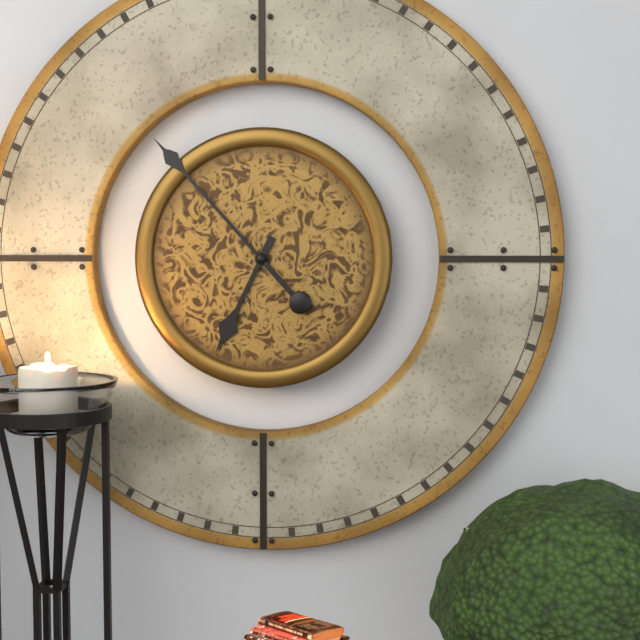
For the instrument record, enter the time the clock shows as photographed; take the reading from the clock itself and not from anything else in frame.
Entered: 6:53
